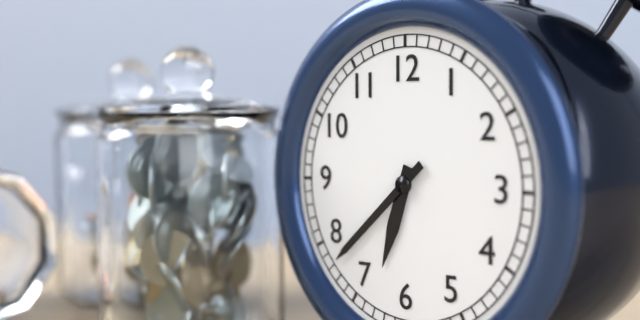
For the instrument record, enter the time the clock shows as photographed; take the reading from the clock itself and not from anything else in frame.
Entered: 6:38
